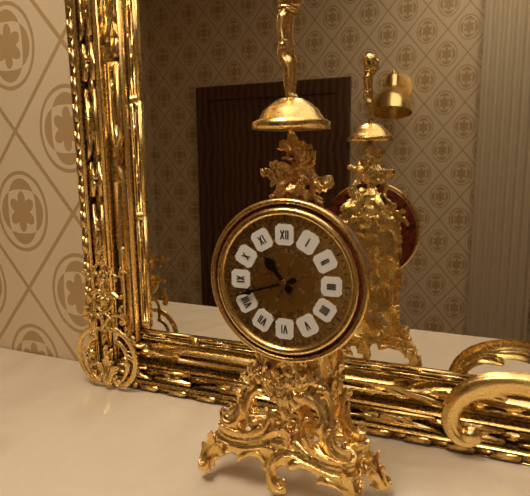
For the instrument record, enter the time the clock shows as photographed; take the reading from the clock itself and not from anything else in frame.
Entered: 10:42
